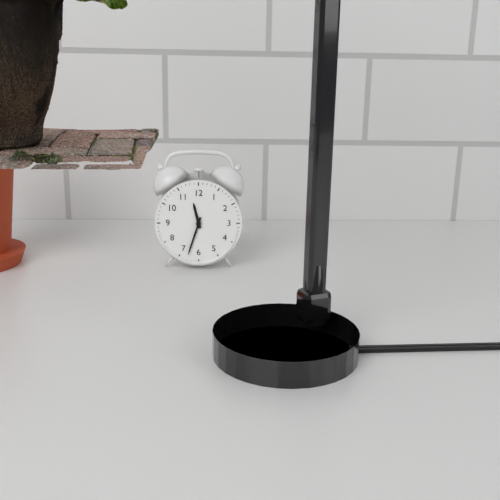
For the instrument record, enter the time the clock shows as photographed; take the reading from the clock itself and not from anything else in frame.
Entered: 11:33
